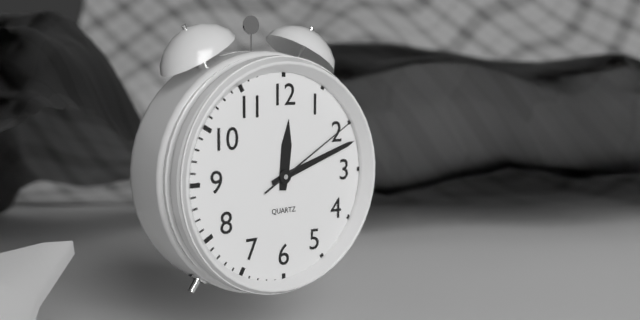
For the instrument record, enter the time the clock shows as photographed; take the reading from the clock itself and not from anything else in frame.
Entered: 12:12:10
